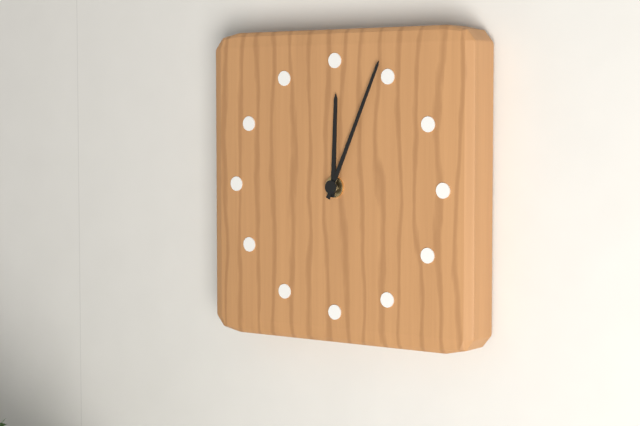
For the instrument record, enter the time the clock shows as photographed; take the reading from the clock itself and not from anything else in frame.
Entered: 12:04
